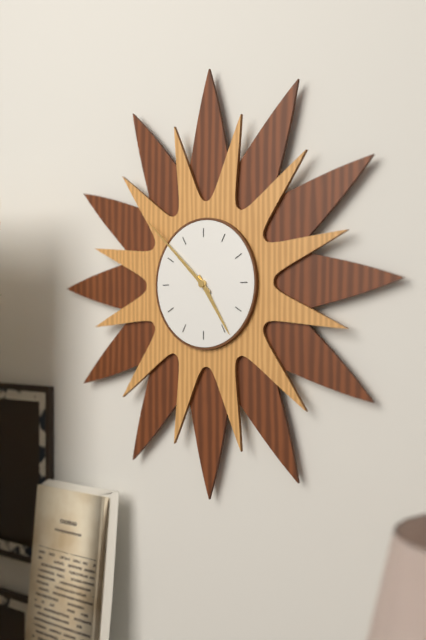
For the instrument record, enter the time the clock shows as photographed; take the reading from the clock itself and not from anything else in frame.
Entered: 4:52
